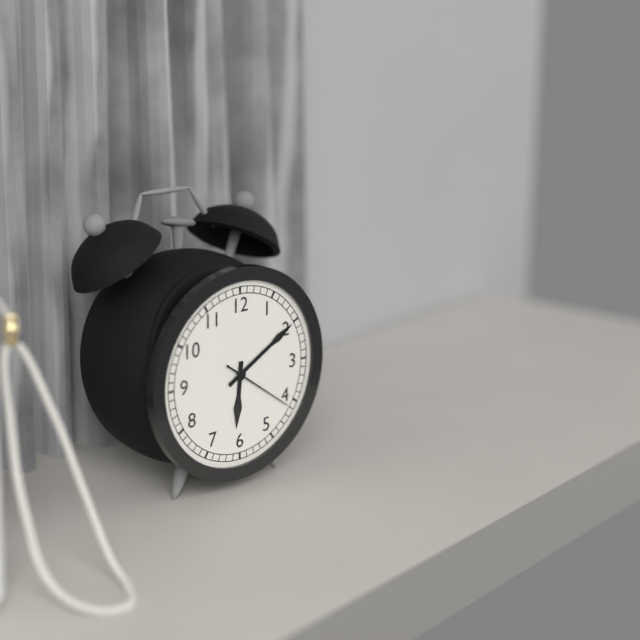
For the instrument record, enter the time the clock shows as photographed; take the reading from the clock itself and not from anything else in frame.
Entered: 6:10:21
